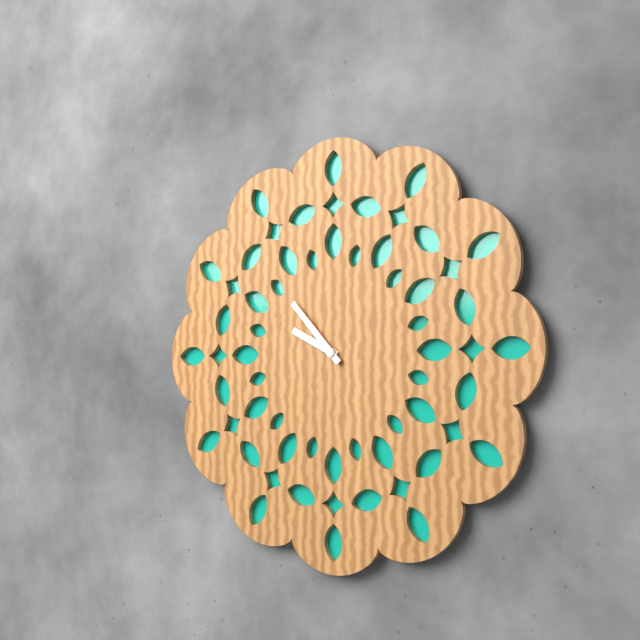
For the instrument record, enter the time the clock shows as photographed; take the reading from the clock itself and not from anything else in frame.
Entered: 9:53
